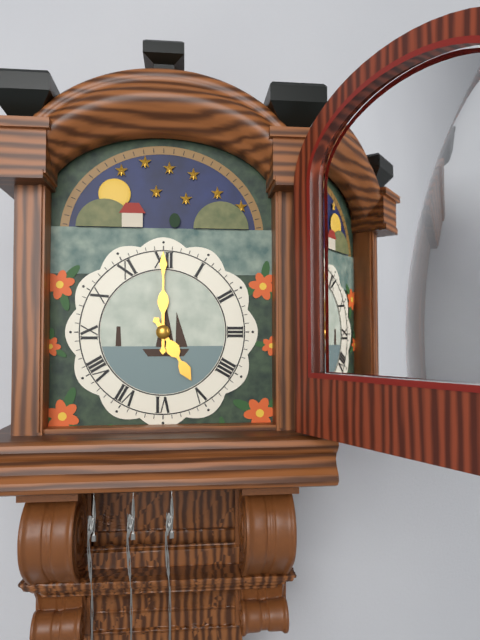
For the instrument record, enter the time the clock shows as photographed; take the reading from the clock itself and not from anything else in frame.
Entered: 5:00
